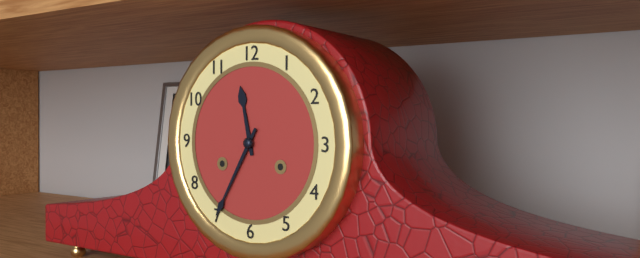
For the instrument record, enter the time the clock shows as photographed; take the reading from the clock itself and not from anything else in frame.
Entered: 11:35
